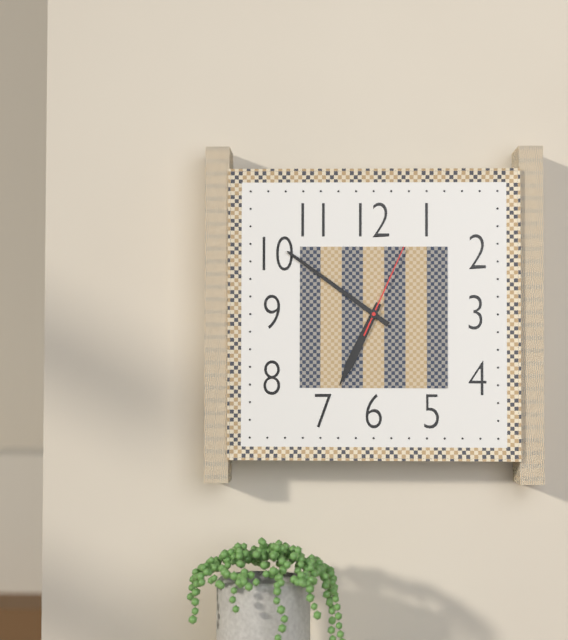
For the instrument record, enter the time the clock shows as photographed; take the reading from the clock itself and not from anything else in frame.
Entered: 6:51:04
